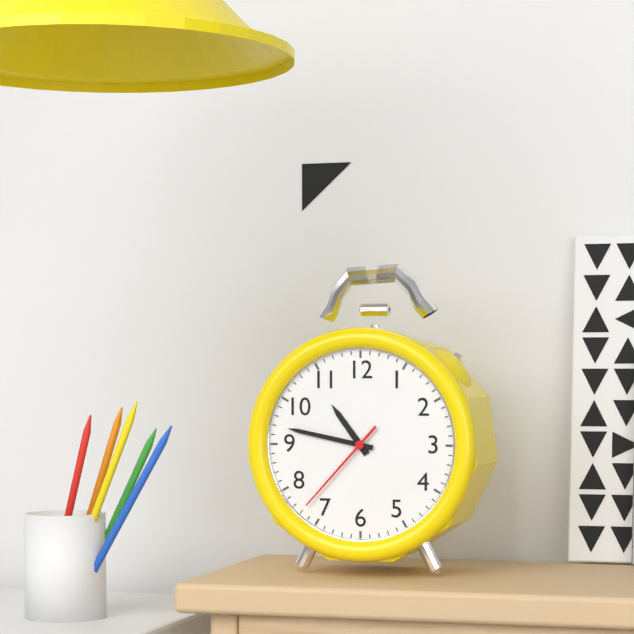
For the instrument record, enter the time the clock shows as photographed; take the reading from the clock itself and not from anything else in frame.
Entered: 10:47:37
